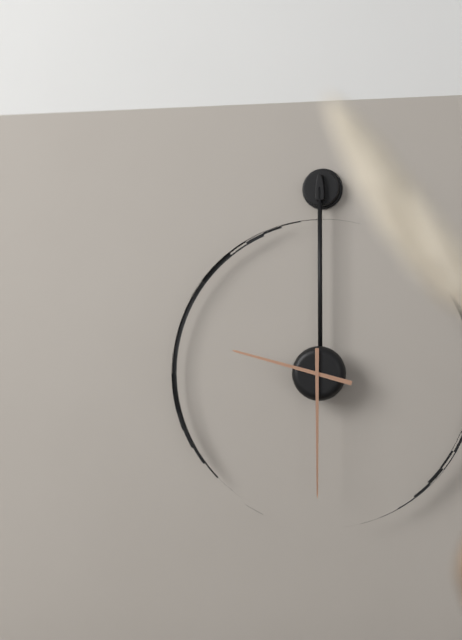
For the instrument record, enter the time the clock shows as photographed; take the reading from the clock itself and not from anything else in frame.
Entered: 9:30
